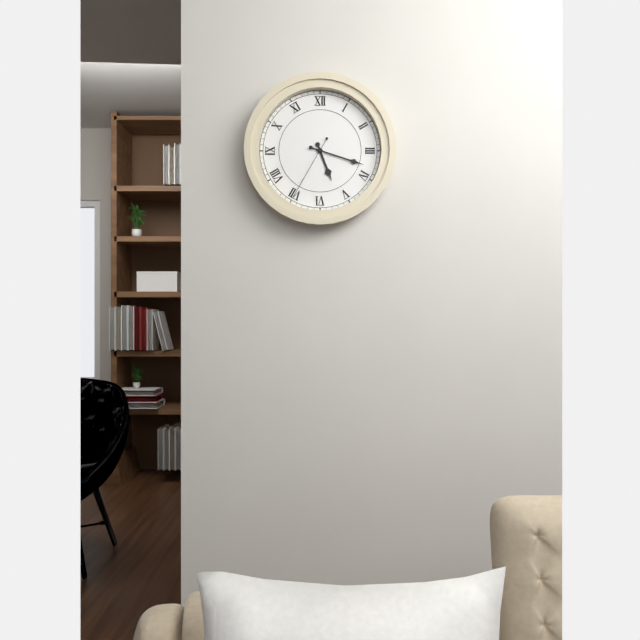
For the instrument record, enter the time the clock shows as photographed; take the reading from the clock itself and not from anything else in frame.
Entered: 5:18:35
